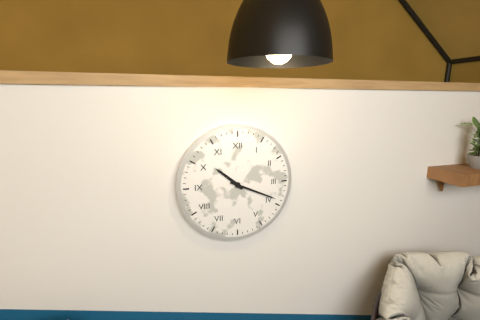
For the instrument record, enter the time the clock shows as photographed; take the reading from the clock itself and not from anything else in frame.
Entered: 10:19
